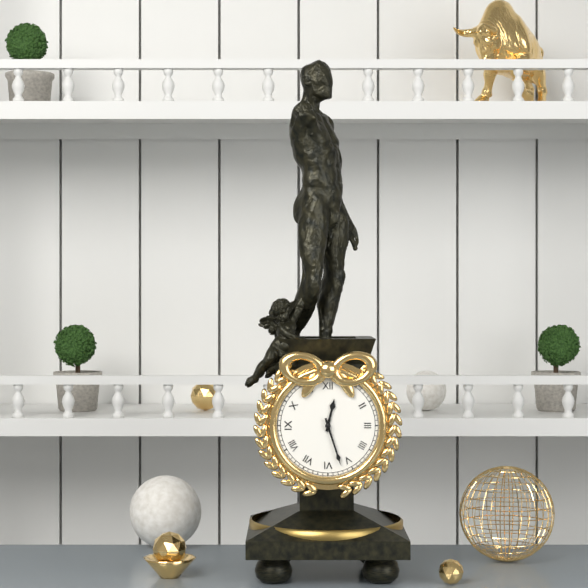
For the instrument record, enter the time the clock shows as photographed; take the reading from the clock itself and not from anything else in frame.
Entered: 12:27
